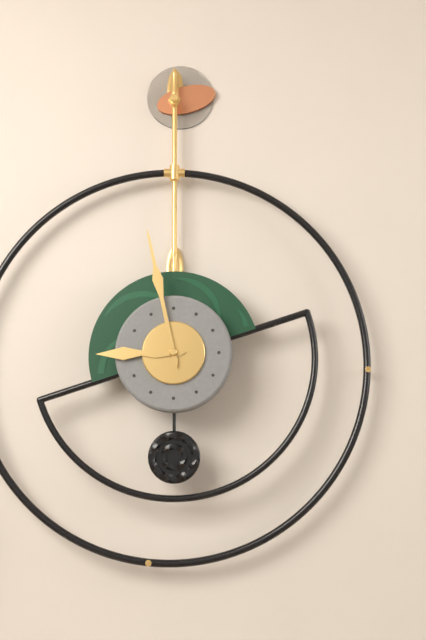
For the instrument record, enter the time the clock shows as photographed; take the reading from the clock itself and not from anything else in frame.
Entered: 8:58
